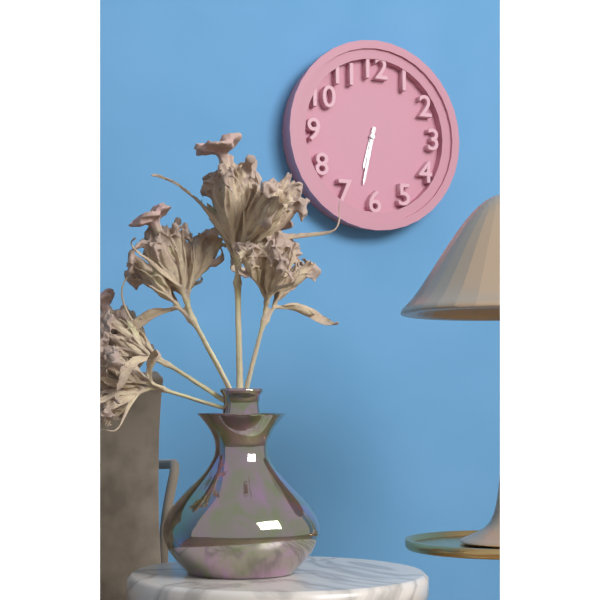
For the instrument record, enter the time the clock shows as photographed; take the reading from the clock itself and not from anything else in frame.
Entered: 6:32
